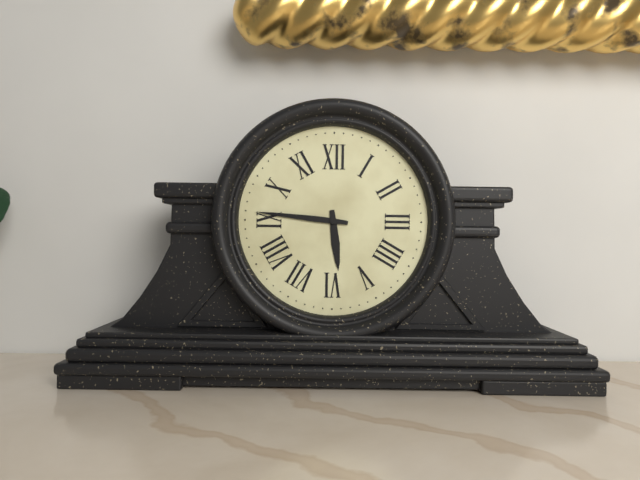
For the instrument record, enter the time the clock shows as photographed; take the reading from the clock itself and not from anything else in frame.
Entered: 5:46
